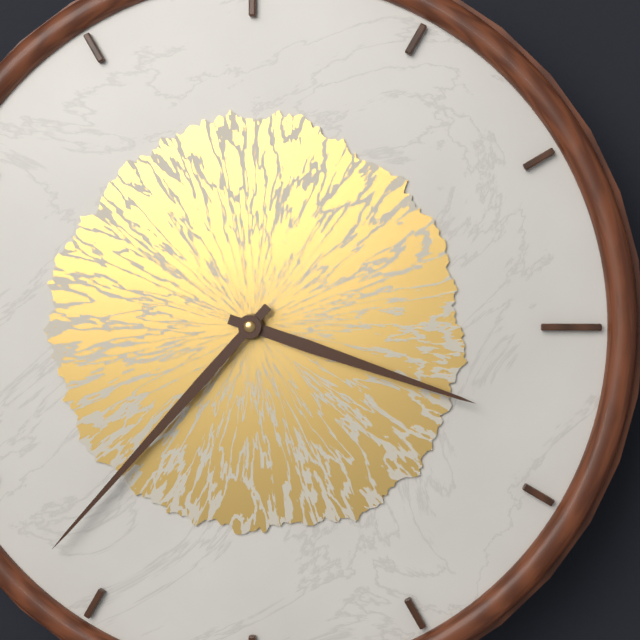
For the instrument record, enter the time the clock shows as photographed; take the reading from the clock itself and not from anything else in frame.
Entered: 3:37
